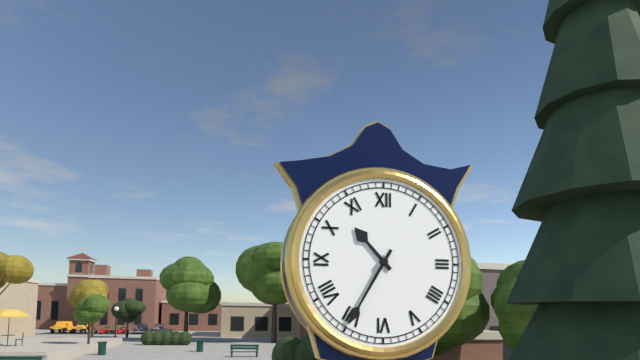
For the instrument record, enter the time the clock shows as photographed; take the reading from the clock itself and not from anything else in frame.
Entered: 10:35
